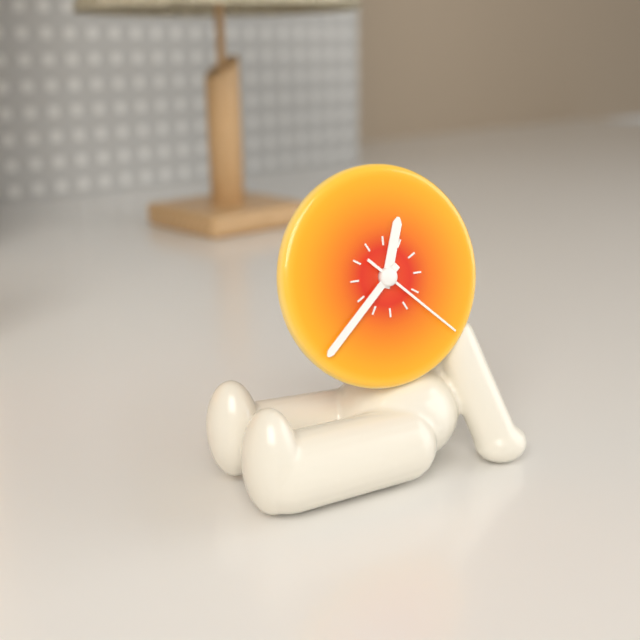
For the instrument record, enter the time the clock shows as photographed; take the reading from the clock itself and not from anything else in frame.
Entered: 12:38:22
